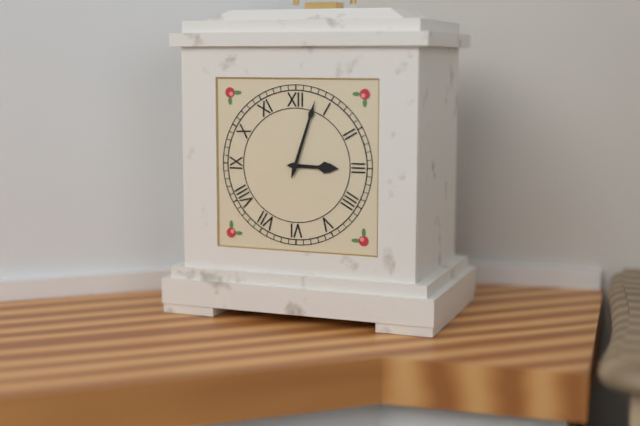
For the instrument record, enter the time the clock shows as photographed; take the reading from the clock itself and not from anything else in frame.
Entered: 3:03
